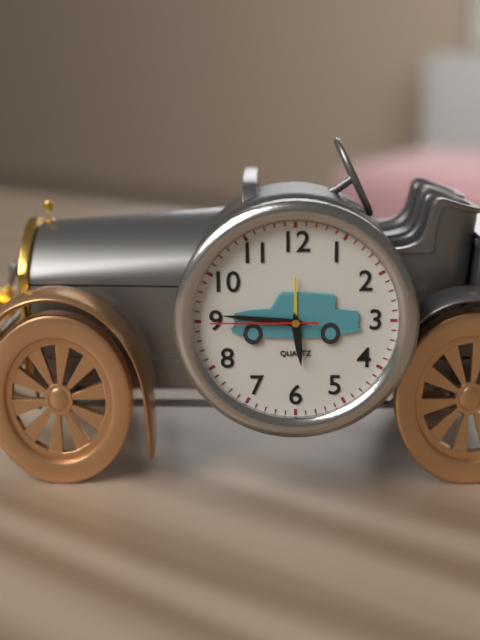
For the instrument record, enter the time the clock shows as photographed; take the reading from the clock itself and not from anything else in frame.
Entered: 5:46:45
